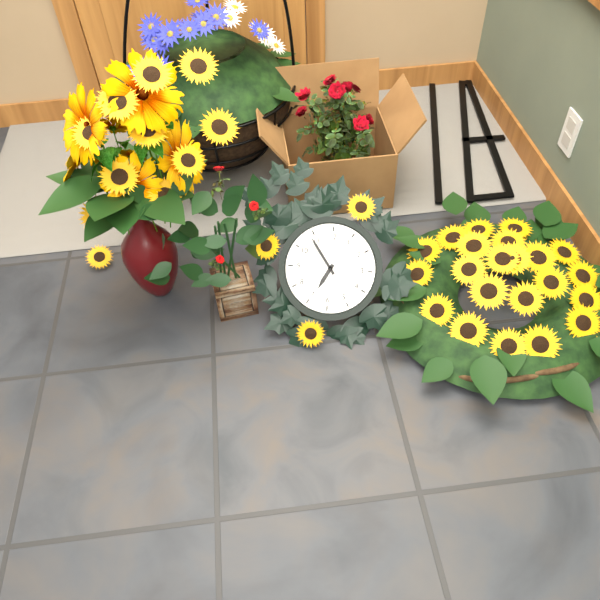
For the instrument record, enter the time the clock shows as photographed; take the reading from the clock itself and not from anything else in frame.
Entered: 6:54
